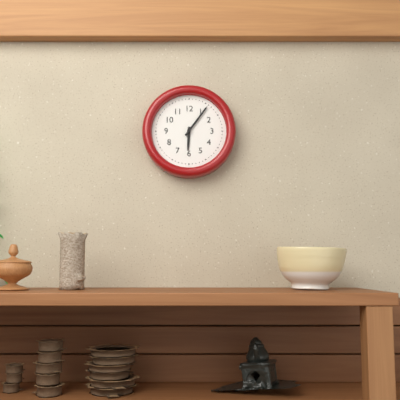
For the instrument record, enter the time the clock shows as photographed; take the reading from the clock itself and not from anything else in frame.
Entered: 6:06
